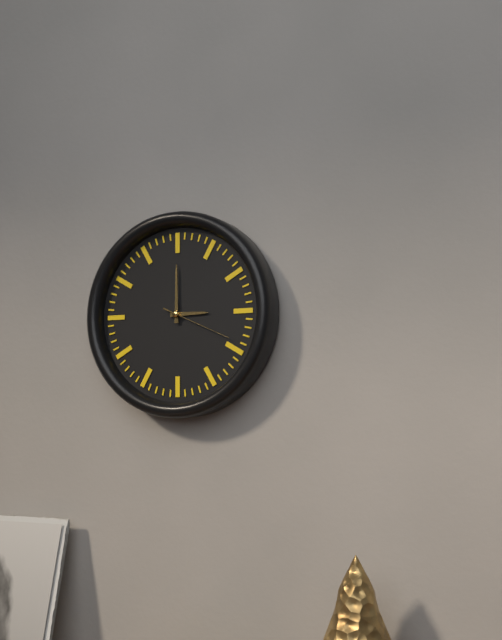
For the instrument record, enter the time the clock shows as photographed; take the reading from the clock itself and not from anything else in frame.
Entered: 3:00:19
